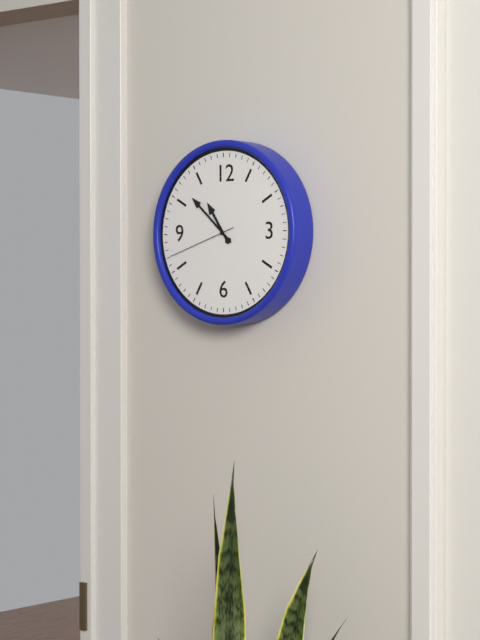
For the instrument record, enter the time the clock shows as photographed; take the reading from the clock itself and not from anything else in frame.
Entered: 10:52:42
